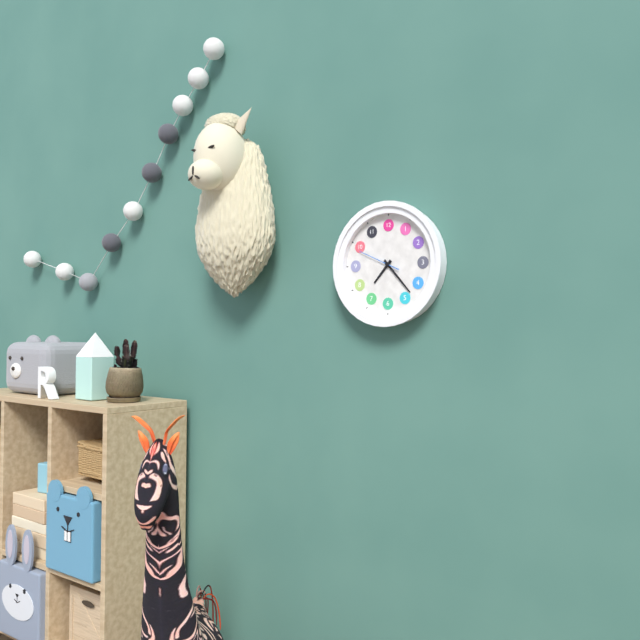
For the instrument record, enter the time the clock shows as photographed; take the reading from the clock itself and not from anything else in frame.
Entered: 7:23
